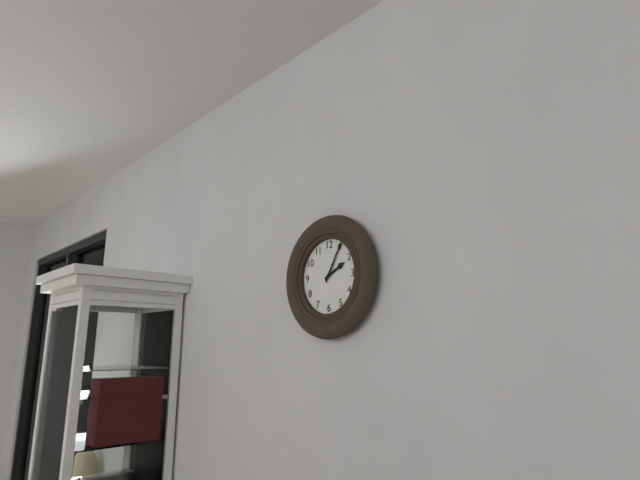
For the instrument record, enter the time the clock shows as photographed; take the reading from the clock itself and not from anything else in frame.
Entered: 2:05
